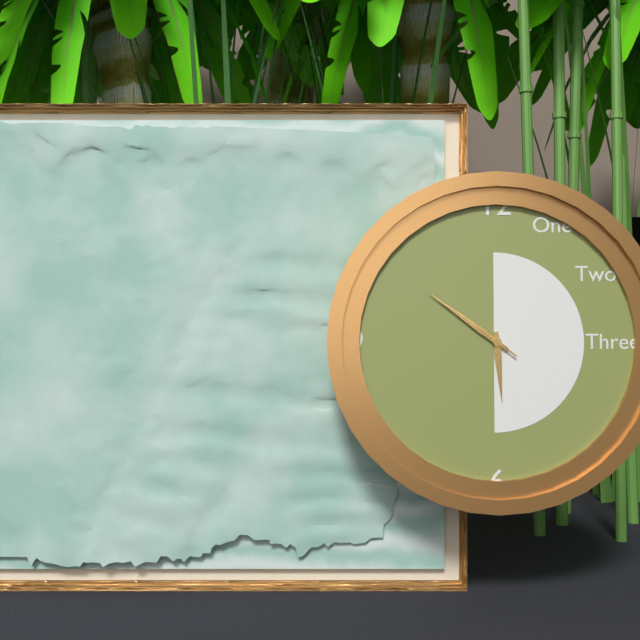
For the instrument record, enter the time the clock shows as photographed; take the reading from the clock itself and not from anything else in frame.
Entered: 5:51:51
